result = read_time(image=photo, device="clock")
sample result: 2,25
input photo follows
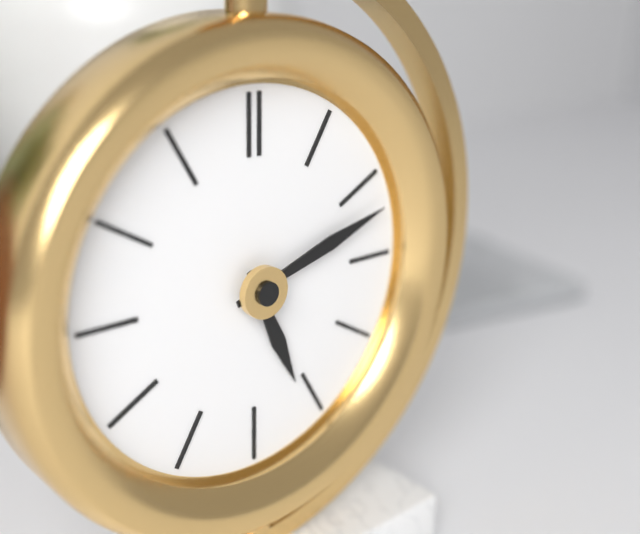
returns 5,12
